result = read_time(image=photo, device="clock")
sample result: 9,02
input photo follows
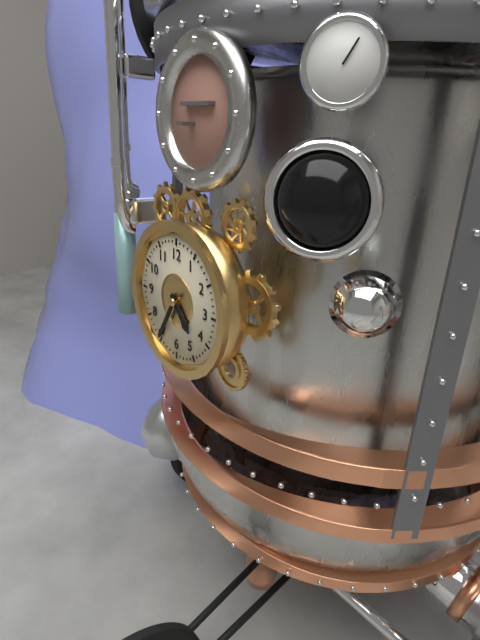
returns 4,35
